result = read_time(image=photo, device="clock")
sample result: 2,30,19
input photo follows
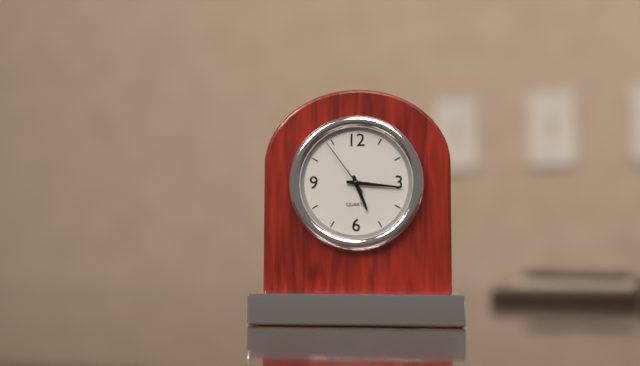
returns 5,16,54
